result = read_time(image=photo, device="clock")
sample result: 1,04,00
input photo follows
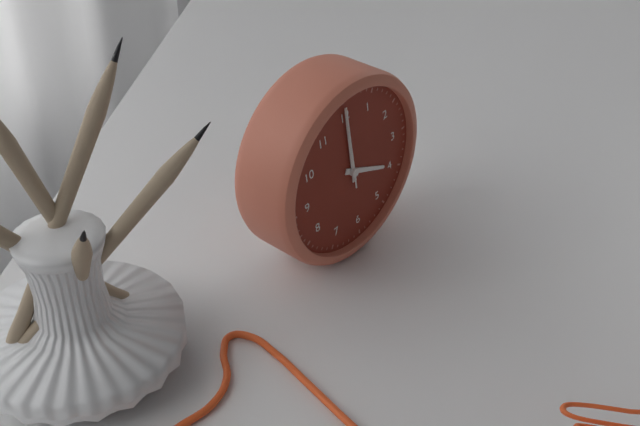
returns 4,00,00
